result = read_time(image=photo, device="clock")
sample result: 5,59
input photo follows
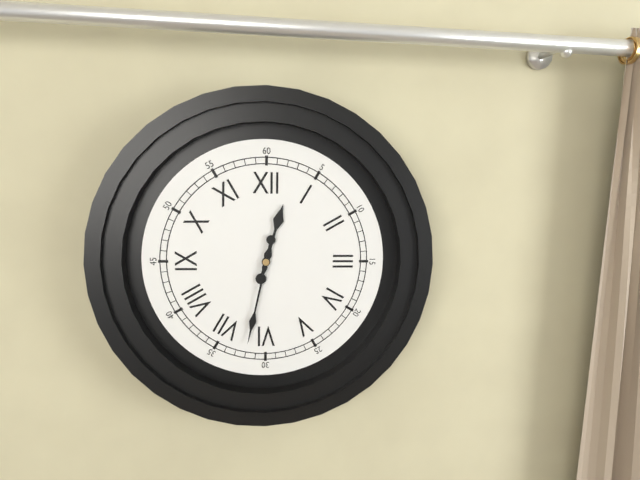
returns 12,32
